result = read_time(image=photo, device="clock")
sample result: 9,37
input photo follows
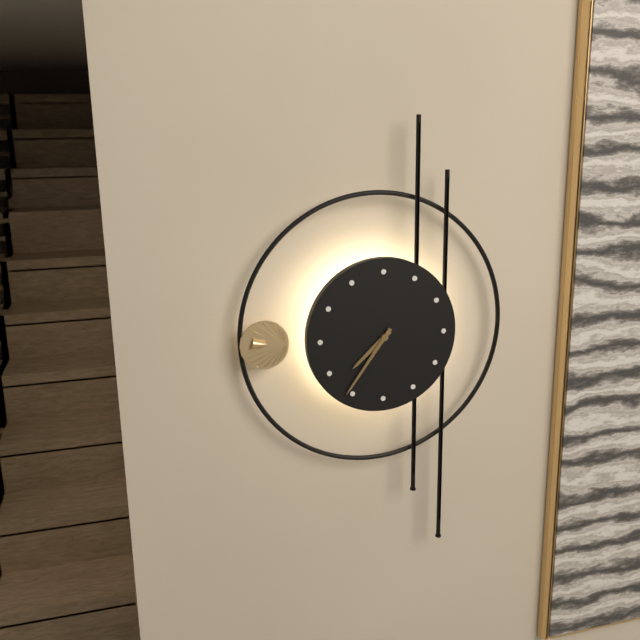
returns 7,36
